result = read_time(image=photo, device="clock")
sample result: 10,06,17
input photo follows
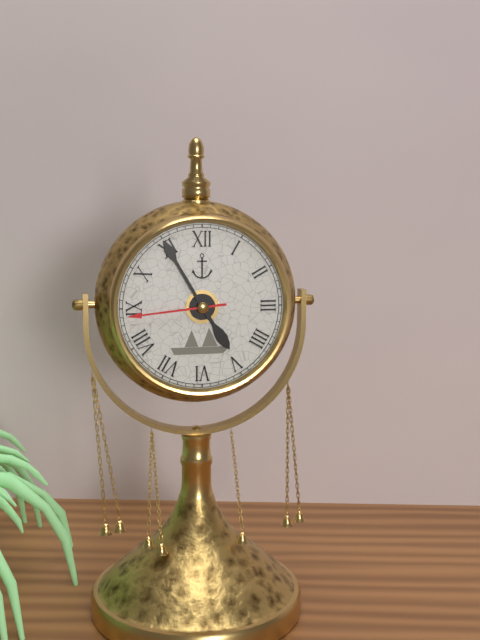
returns 4,55,44
